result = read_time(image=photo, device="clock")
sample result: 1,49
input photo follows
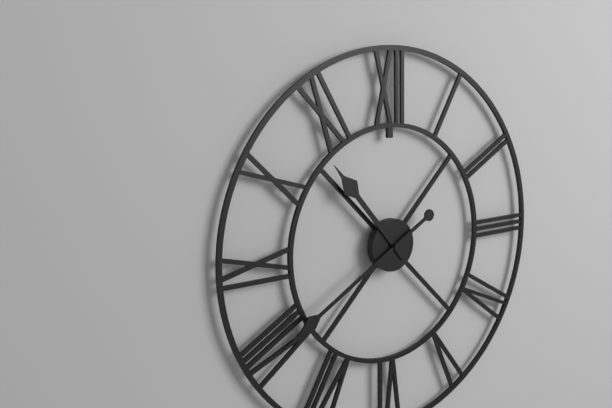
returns 10,40
